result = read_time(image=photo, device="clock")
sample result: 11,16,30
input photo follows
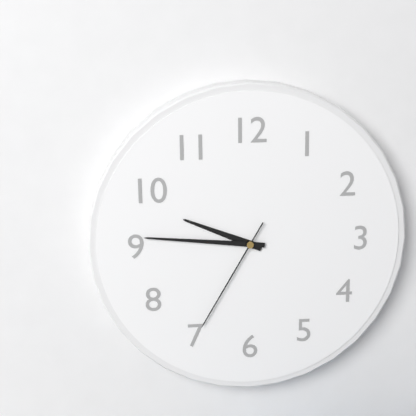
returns 9,46,35
